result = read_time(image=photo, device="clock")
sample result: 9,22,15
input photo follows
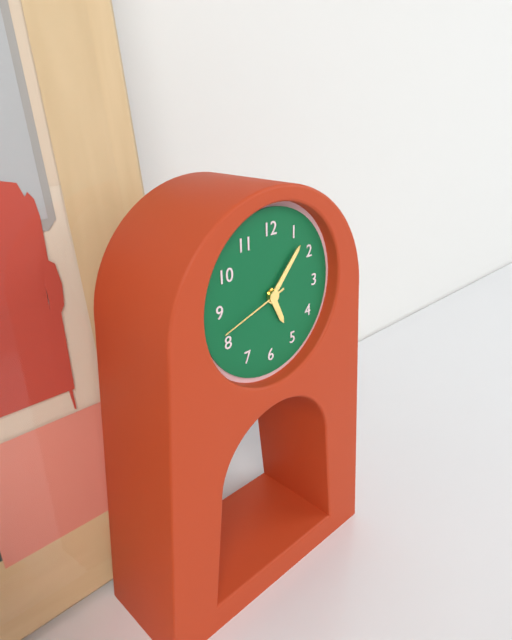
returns 5,07,42
